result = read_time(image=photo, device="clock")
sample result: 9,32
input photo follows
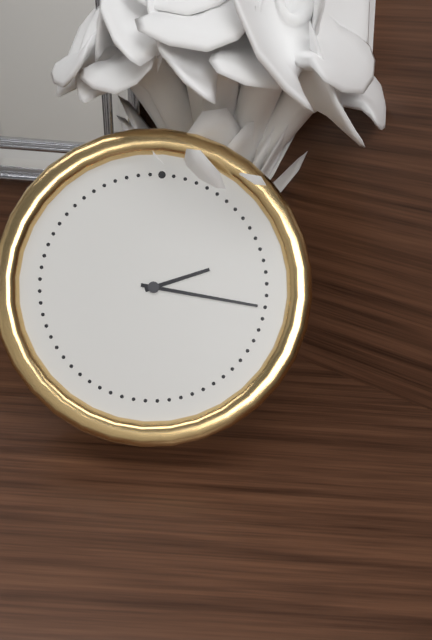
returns 2,16
